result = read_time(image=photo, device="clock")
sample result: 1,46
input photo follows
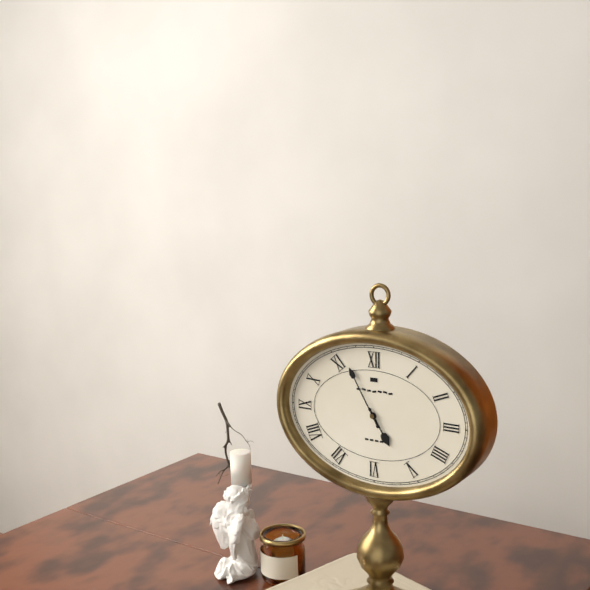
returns 4,55
